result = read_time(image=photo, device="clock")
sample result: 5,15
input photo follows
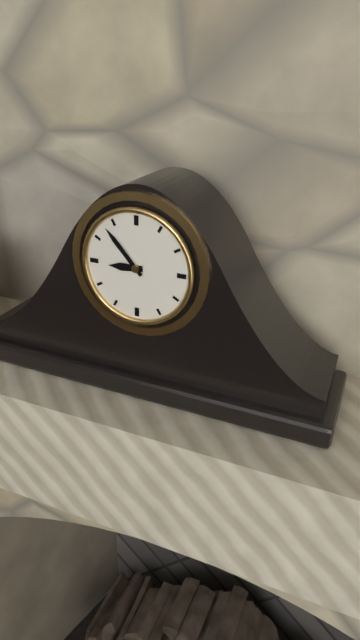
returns 8,53
